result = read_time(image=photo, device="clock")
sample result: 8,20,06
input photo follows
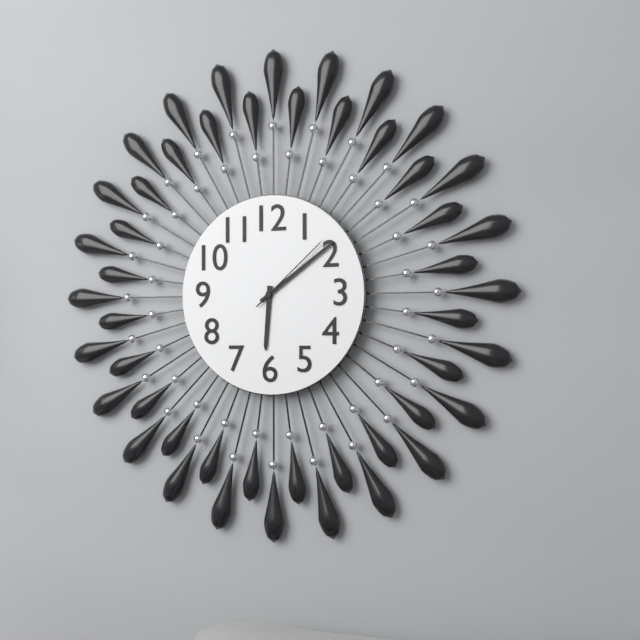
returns 6,09,08
